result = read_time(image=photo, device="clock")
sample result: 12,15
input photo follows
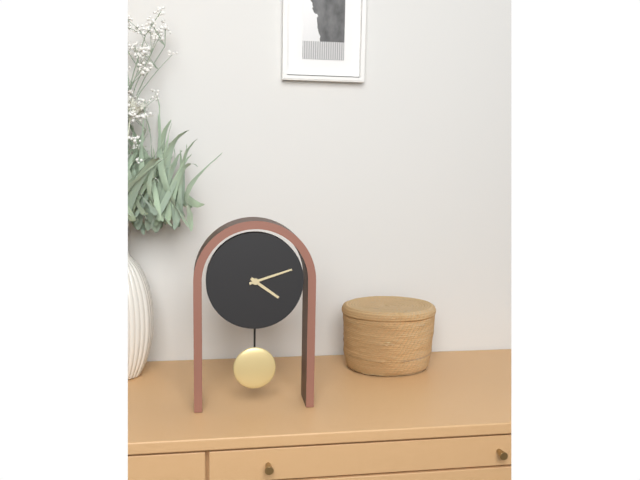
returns 4,12
